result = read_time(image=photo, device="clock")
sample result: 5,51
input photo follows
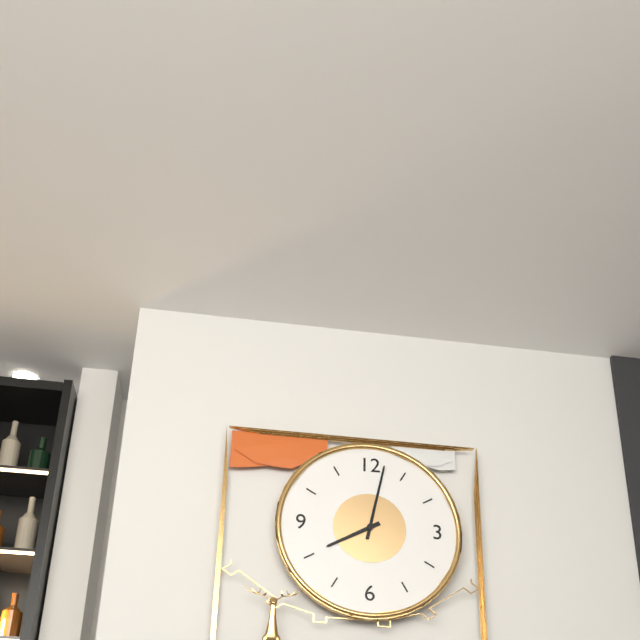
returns 8,02
